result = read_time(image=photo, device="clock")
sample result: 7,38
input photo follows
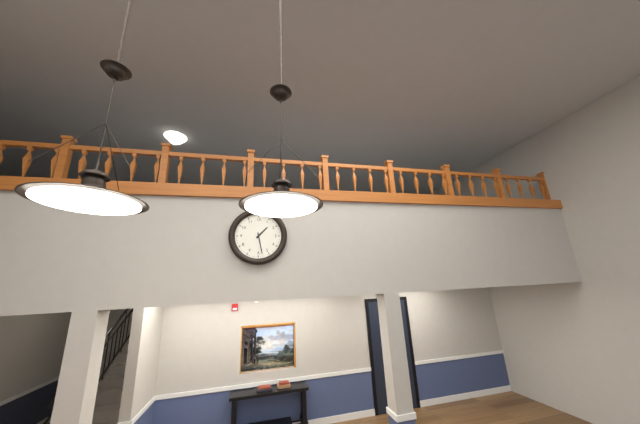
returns 1,28
